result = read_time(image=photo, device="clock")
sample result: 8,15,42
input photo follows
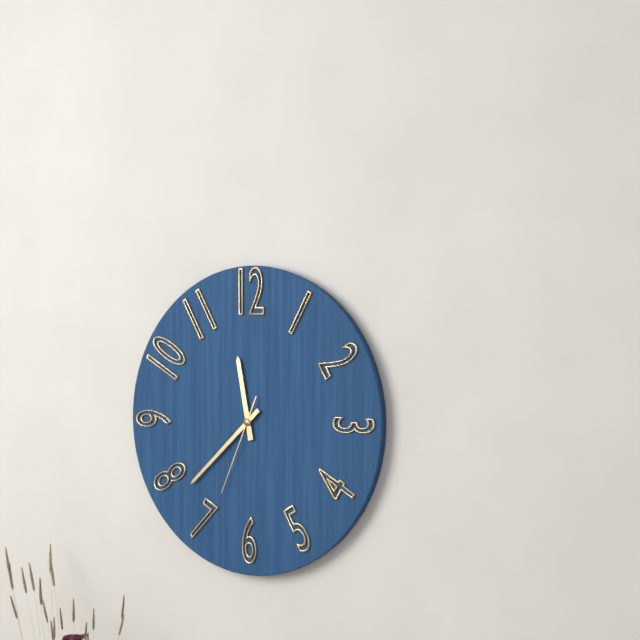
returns 11,38,34
